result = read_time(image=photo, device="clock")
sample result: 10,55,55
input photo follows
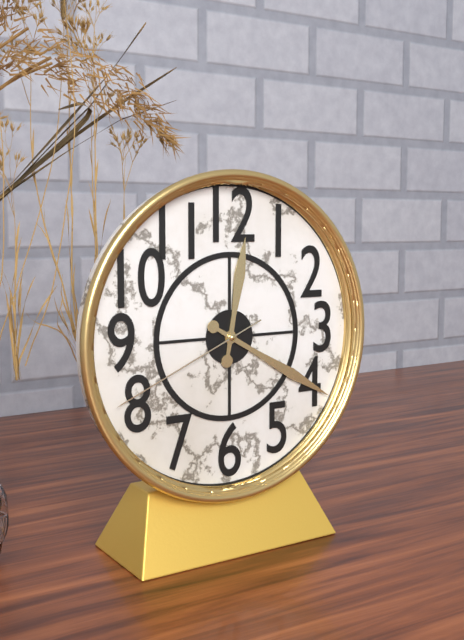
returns 12,20,41
